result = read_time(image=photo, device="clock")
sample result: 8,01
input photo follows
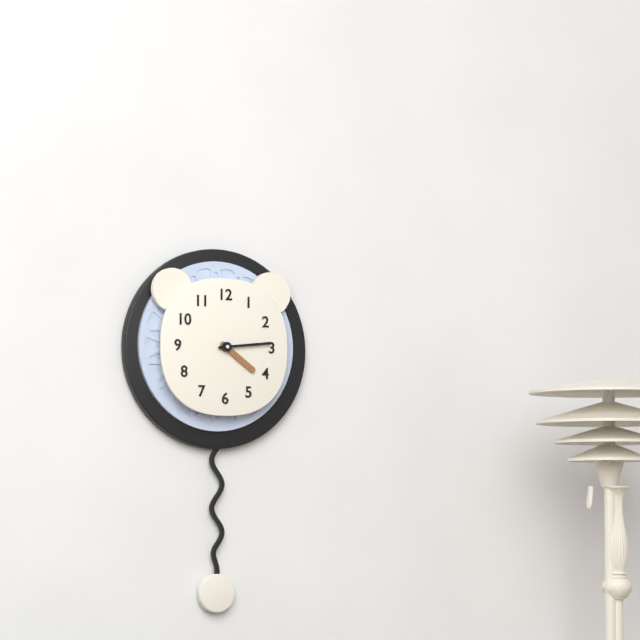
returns 4,14
